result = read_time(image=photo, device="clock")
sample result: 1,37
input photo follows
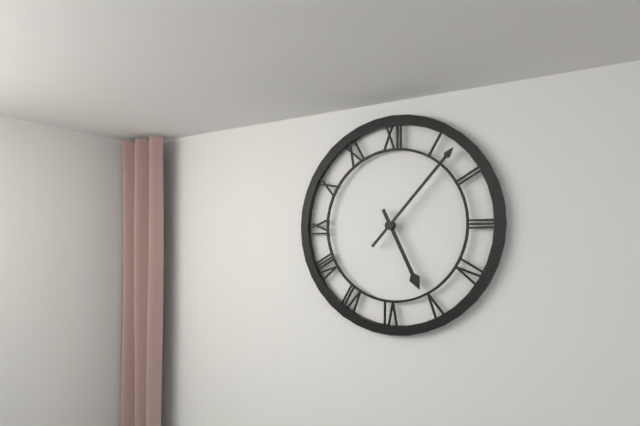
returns 5,07
